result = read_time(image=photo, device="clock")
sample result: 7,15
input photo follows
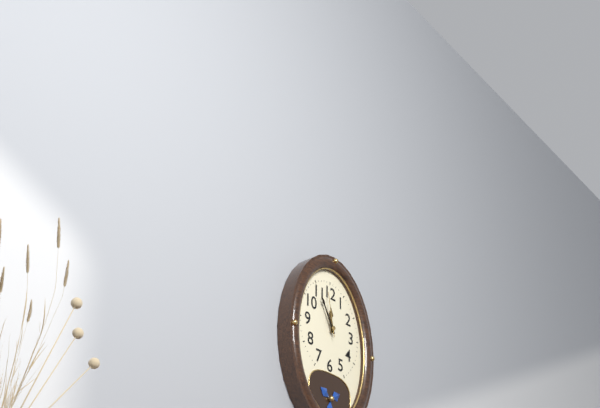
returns 11,55
